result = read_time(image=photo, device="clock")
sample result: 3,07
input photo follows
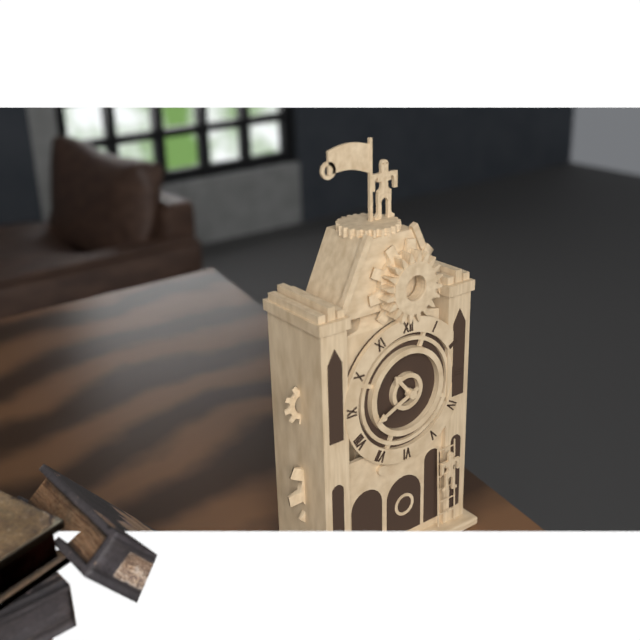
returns 10,41
